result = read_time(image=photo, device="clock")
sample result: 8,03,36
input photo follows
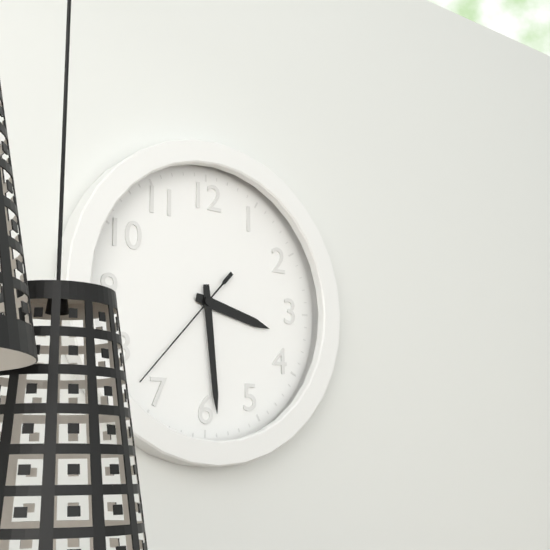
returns 3,29,37
